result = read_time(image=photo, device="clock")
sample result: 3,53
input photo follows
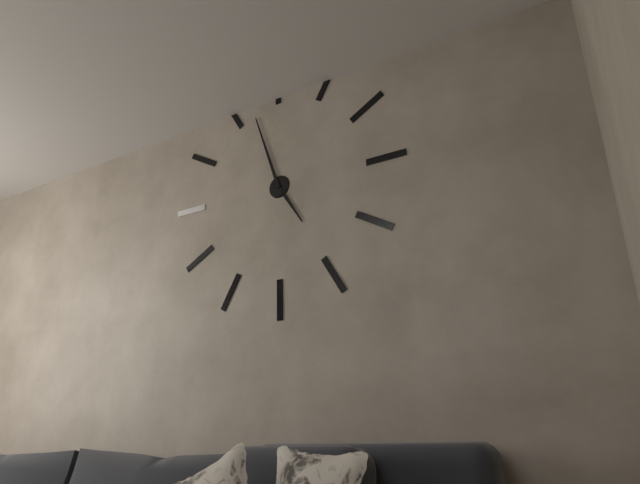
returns 4,57
